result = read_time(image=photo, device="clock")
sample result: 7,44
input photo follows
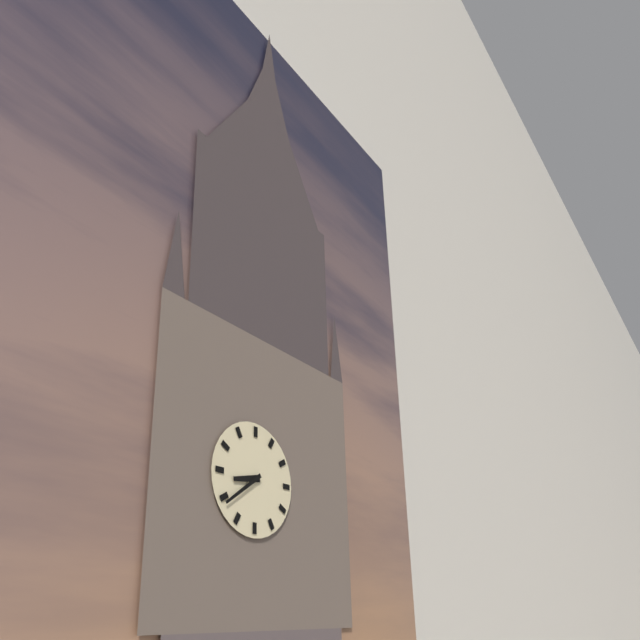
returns 8,39
